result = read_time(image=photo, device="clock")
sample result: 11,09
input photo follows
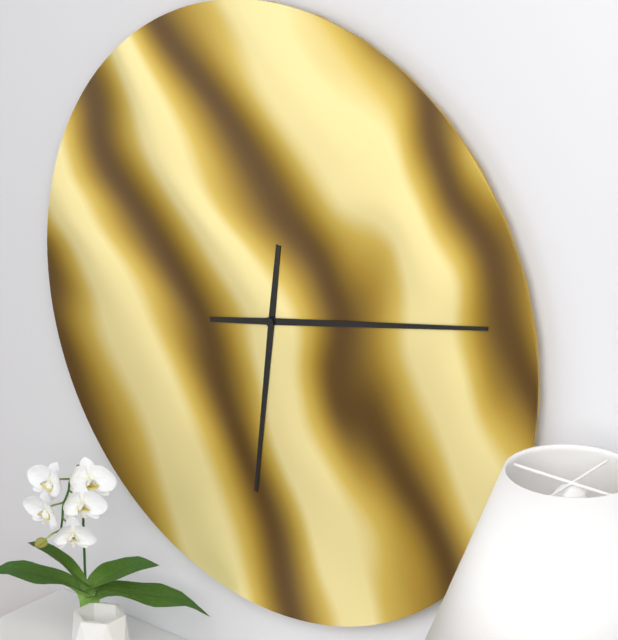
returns 6,13
